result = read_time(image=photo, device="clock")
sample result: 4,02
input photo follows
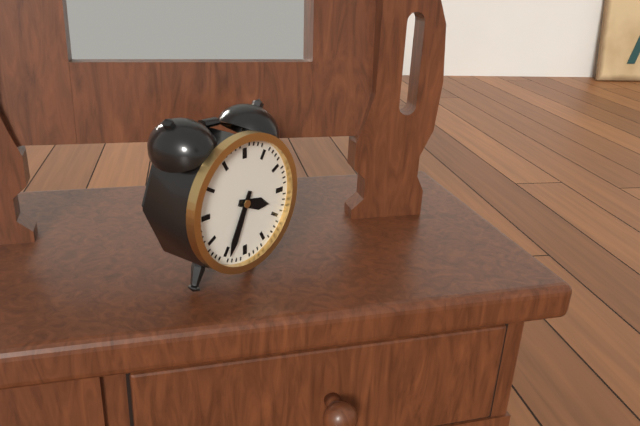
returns 3,34
